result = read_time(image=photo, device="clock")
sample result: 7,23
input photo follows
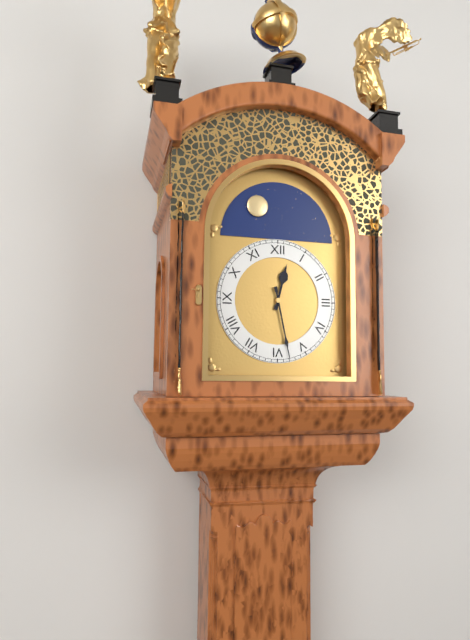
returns 12,28
